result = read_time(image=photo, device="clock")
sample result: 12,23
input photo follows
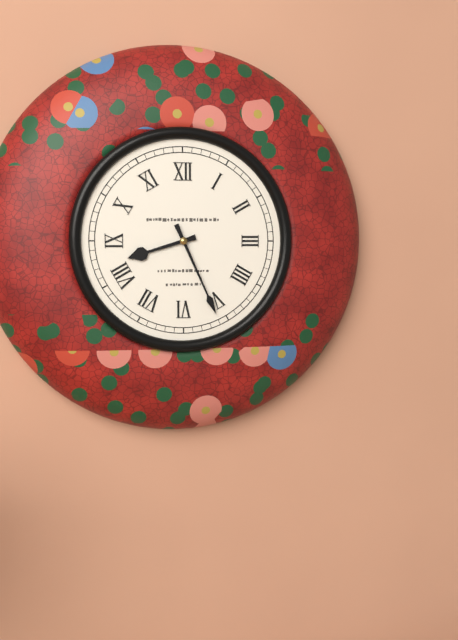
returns 8,26
